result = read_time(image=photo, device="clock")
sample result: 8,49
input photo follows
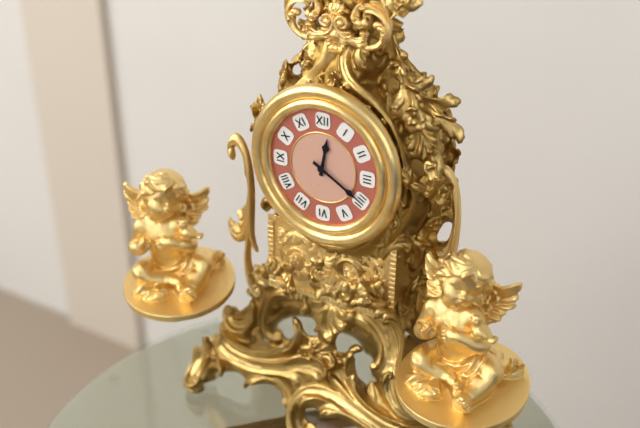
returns 12,20
